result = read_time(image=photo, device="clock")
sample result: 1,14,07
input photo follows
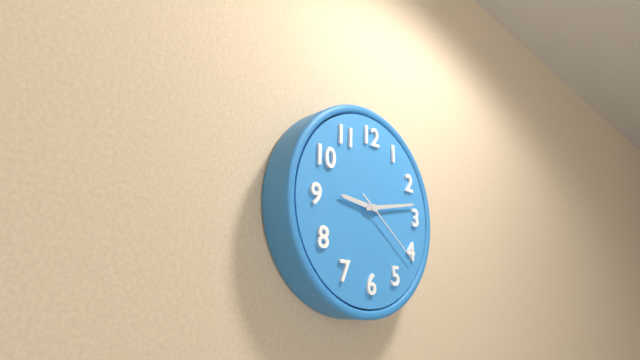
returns 9,13,21
